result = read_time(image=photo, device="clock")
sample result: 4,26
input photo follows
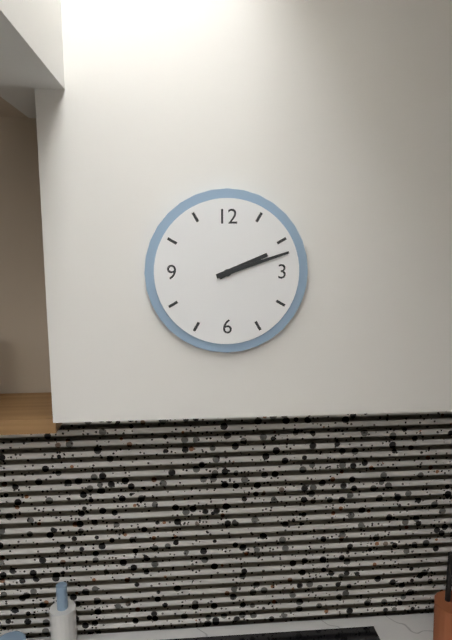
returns 2,12
